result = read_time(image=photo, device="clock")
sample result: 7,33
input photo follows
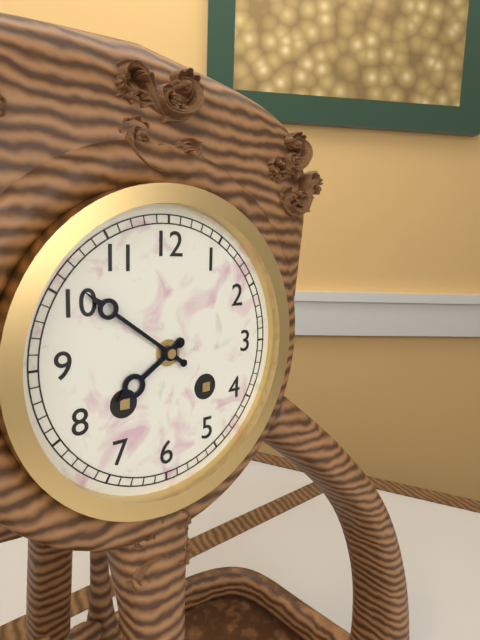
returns 7,51
